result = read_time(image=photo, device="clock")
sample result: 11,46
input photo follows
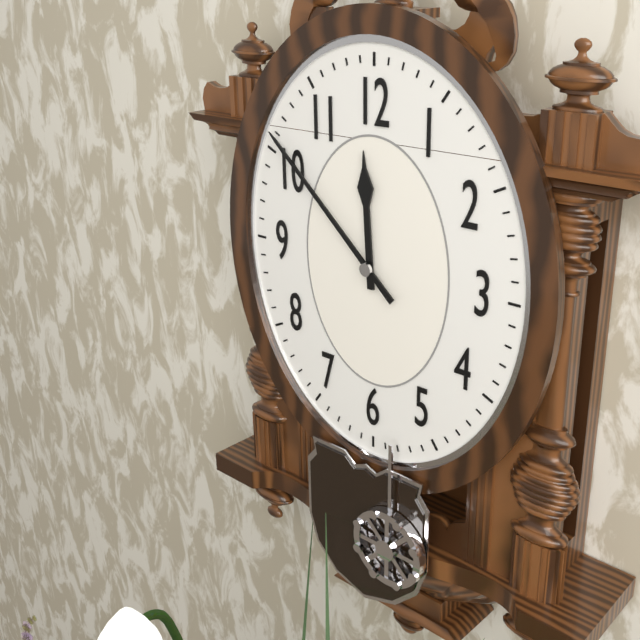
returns 11,52
